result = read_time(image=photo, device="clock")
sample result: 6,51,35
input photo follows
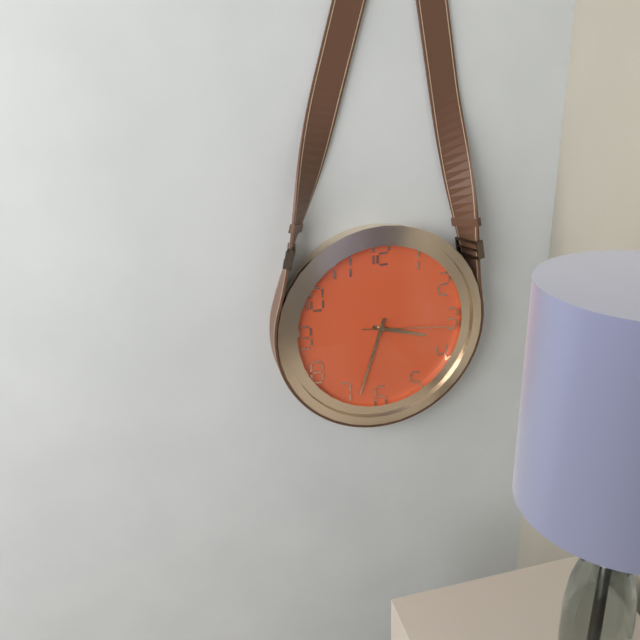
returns 3,33,16
